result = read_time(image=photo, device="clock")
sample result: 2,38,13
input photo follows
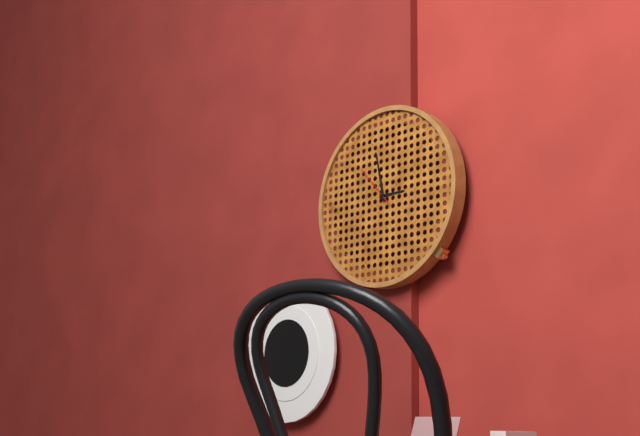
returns 2,58,53
